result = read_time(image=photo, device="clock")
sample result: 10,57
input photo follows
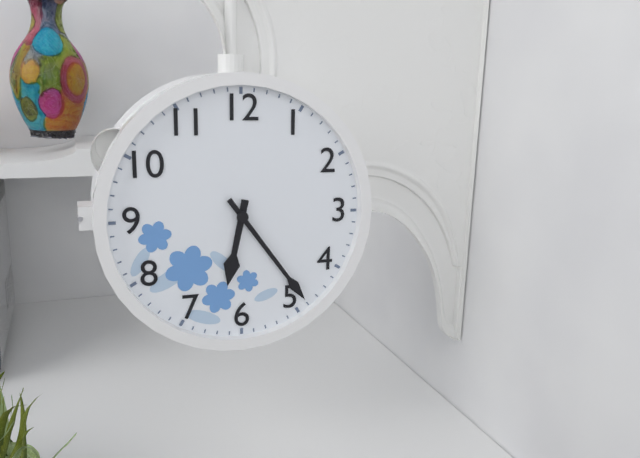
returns 6,24
